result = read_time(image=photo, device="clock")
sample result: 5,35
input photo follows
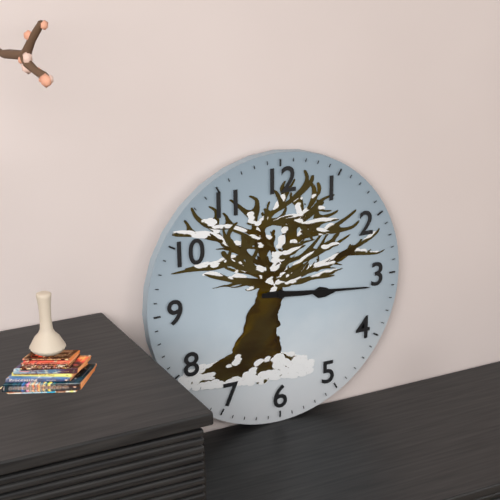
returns 3,16
